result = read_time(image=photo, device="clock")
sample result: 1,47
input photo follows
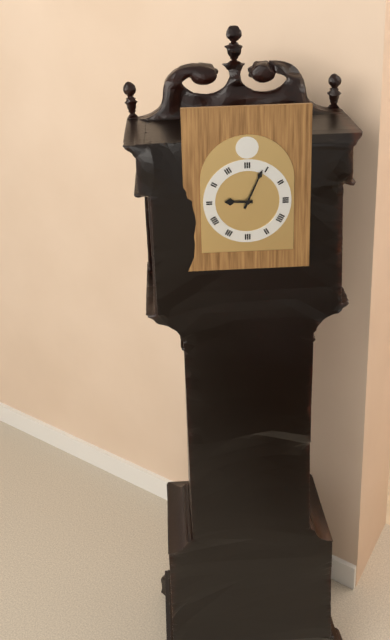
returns 9,04
